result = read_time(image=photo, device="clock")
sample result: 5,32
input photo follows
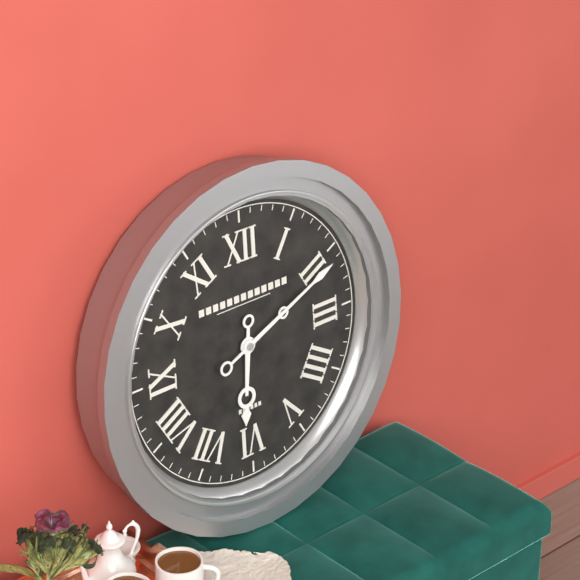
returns 6,11
